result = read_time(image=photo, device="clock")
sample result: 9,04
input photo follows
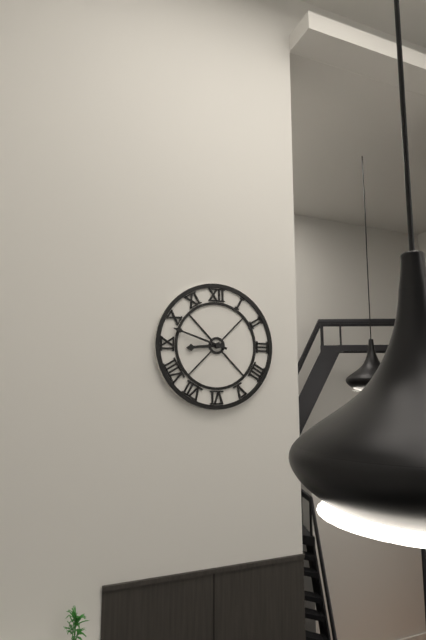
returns 8,48
